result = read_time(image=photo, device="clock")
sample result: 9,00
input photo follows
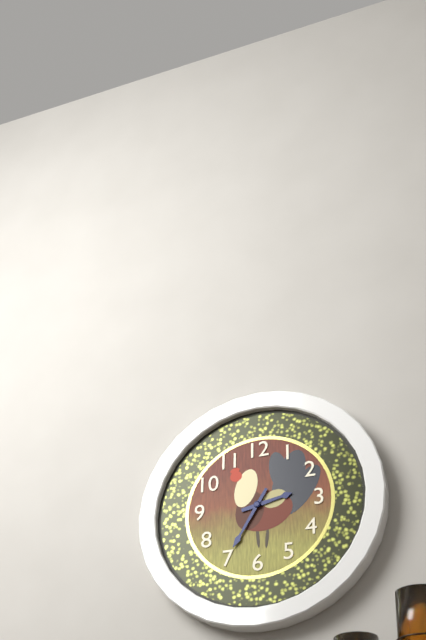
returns 2,35
